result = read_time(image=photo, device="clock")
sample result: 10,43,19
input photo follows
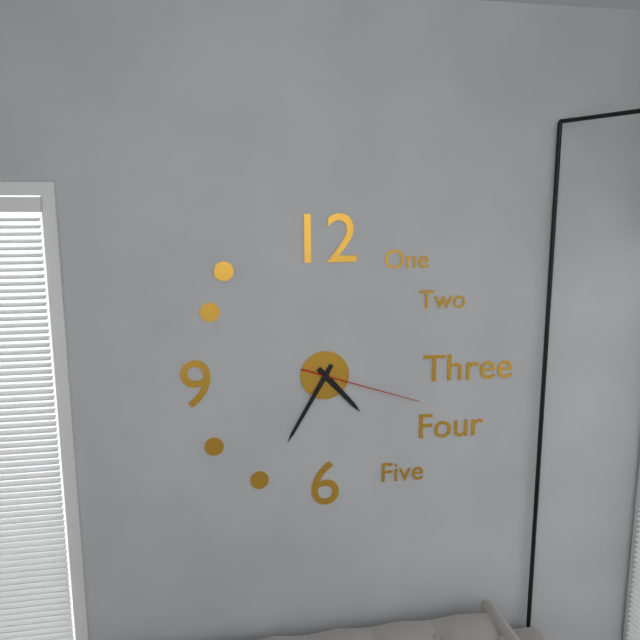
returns 4,35,18
